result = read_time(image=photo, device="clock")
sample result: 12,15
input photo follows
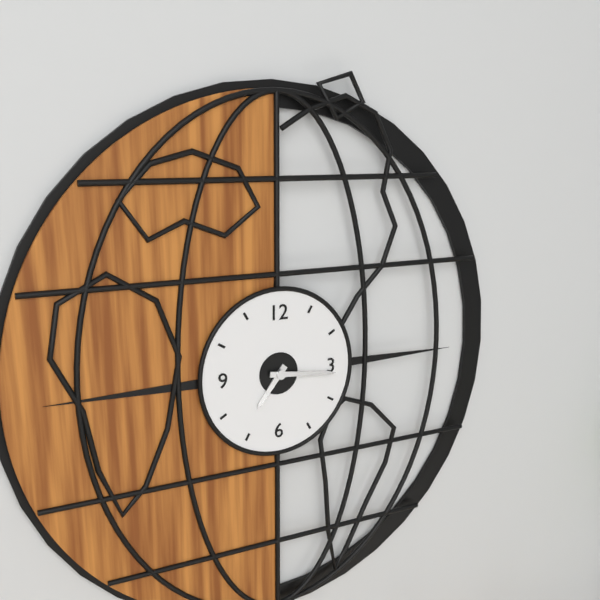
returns 7,16
